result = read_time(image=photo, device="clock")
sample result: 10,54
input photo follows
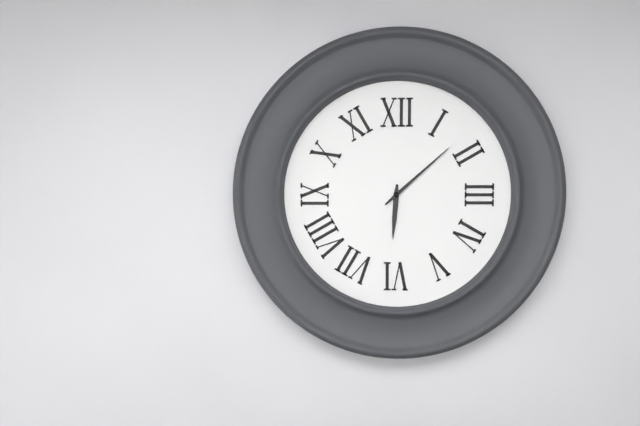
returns 6,08
